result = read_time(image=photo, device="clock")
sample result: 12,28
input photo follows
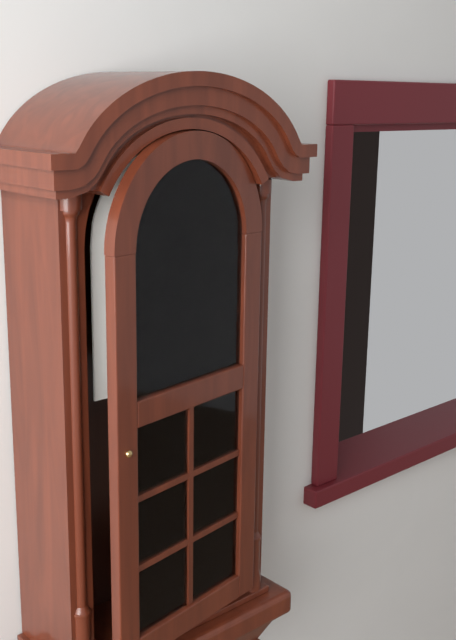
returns 10,38
